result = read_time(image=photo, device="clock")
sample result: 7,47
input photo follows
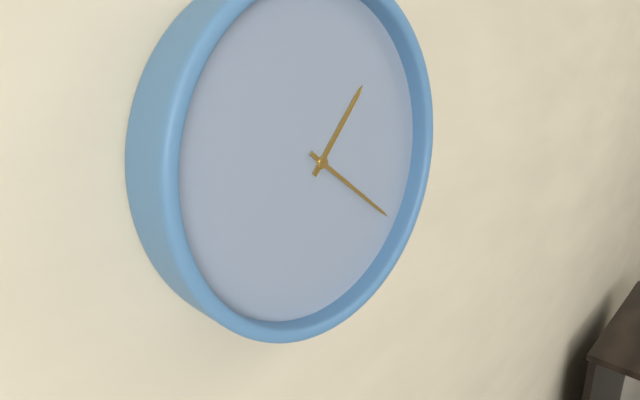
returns 1,21
